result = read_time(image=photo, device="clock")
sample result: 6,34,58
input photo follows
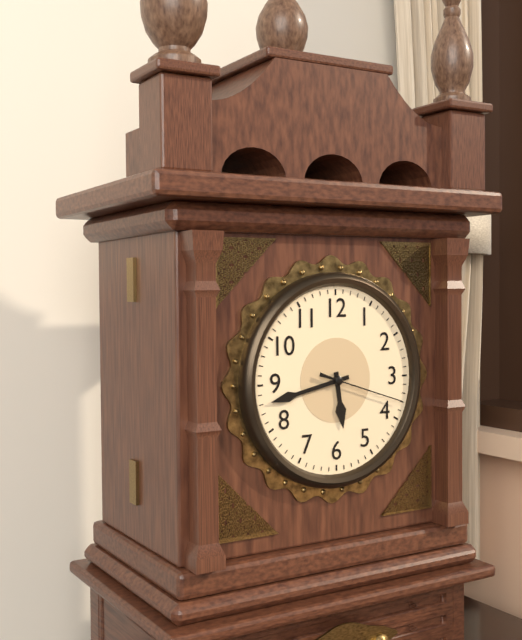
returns 5,43,18
